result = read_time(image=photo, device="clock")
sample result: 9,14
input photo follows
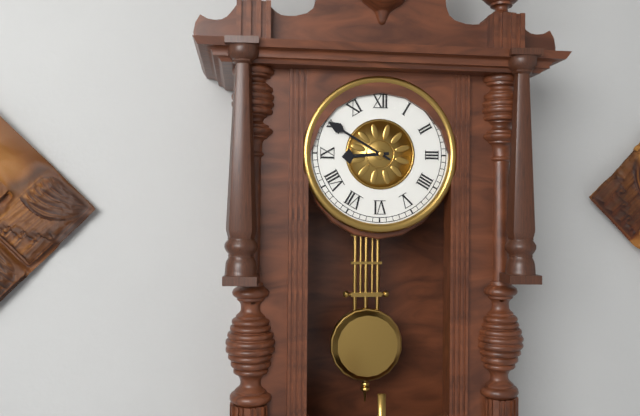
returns 8,50
